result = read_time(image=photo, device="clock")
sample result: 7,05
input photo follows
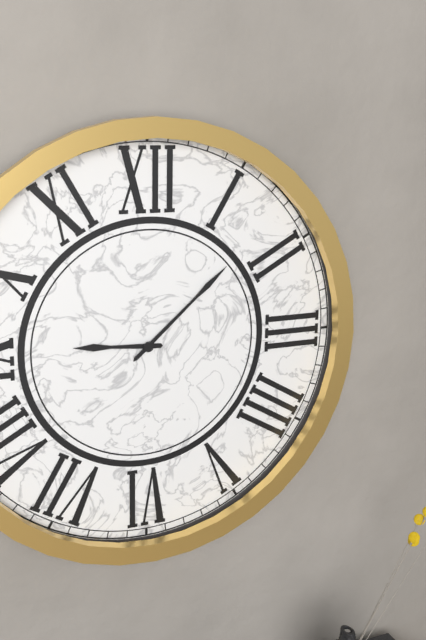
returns 9,08
